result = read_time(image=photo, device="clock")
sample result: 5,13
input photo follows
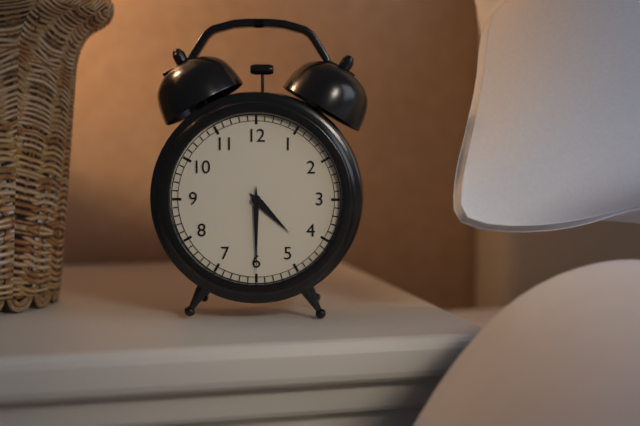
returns 4,30
